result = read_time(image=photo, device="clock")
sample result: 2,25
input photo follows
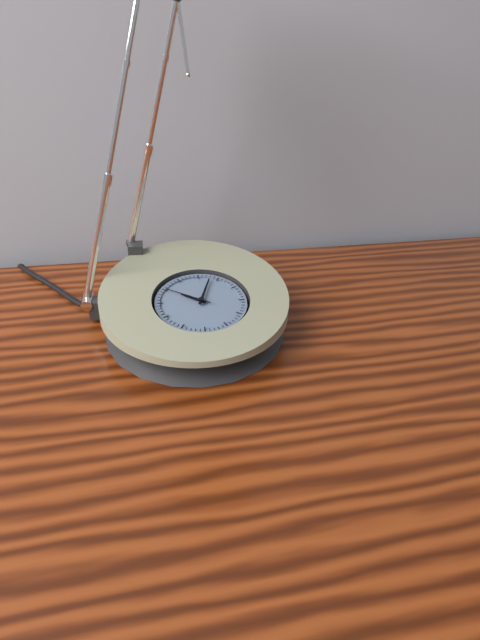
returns 10,03
